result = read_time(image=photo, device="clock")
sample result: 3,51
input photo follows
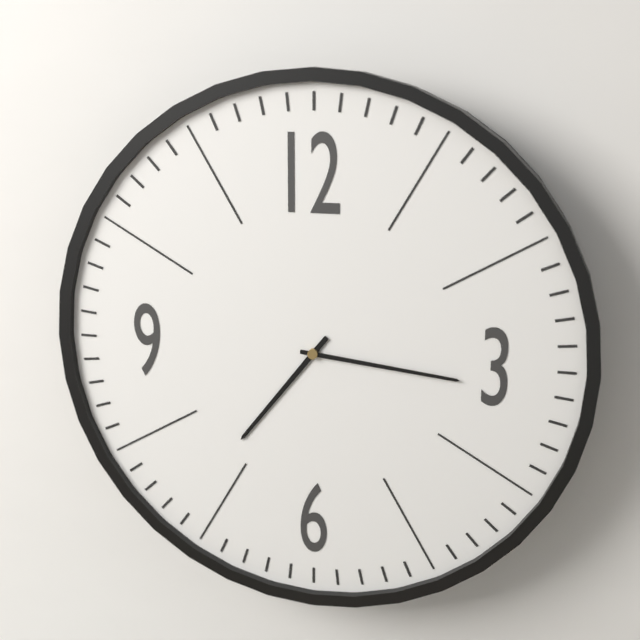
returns 7,16
